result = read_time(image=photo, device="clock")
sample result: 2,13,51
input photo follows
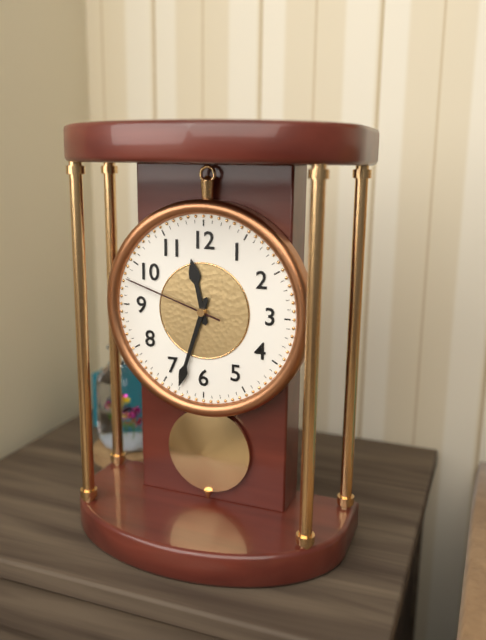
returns 11,33,48
